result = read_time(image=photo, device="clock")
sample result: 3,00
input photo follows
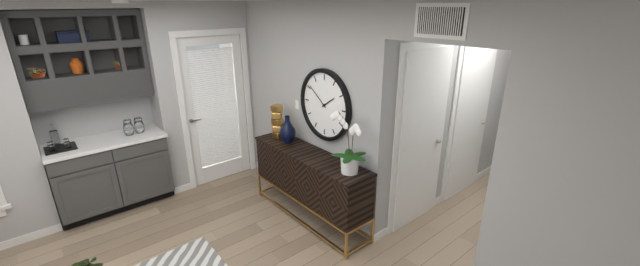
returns 1,51
